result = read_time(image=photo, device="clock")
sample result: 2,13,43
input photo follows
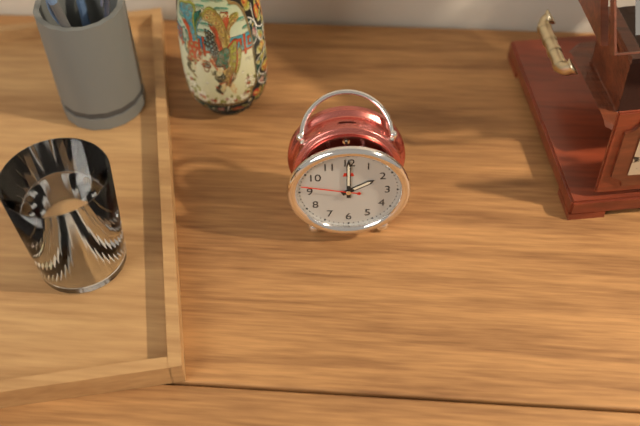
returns 2,00,47
